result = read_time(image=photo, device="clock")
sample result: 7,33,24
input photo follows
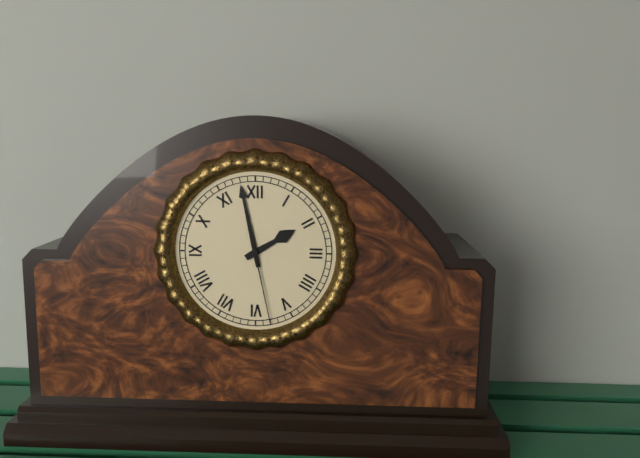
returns 1,58,28
